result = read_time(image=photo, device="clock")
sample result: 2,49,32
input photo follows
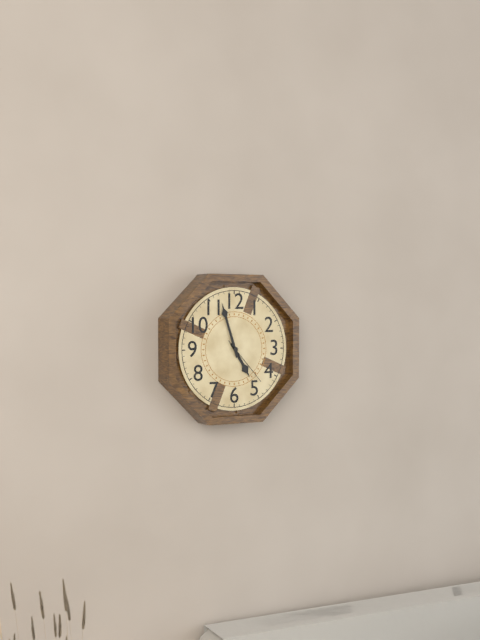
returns 4,57,23
